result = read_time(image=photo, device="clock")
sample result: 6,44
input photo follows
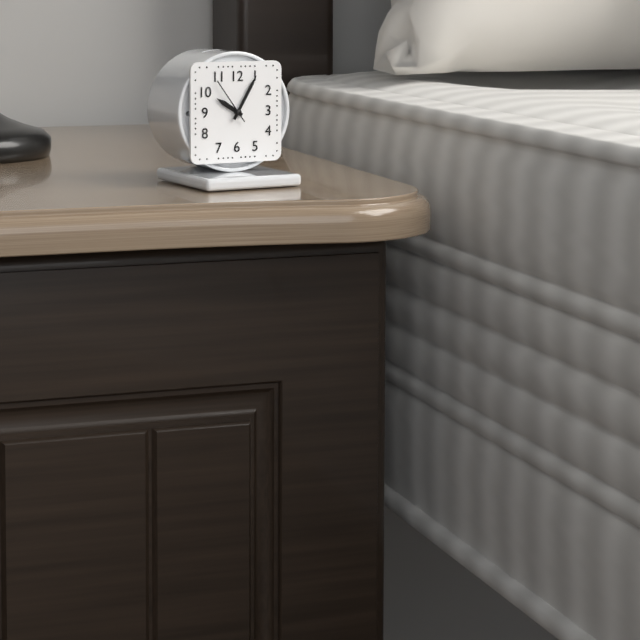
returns 10,05
